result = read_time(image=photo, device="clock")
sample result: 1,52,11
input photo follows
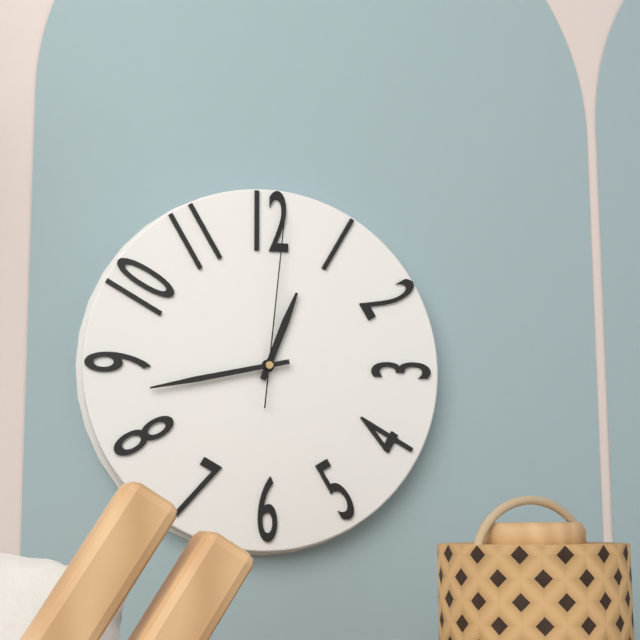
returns 12,43,01
